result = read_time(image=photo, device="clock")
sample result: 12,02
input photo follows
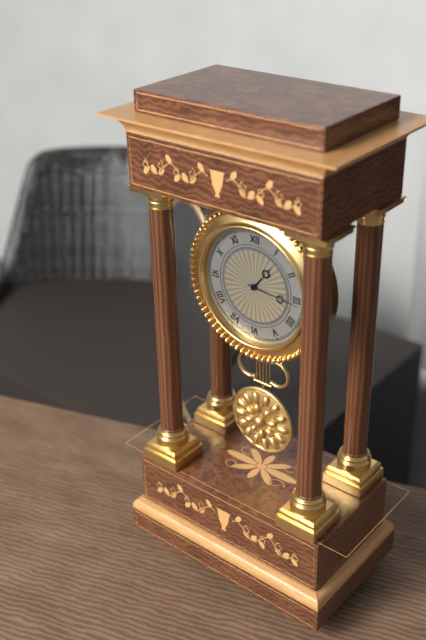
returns 1,16
